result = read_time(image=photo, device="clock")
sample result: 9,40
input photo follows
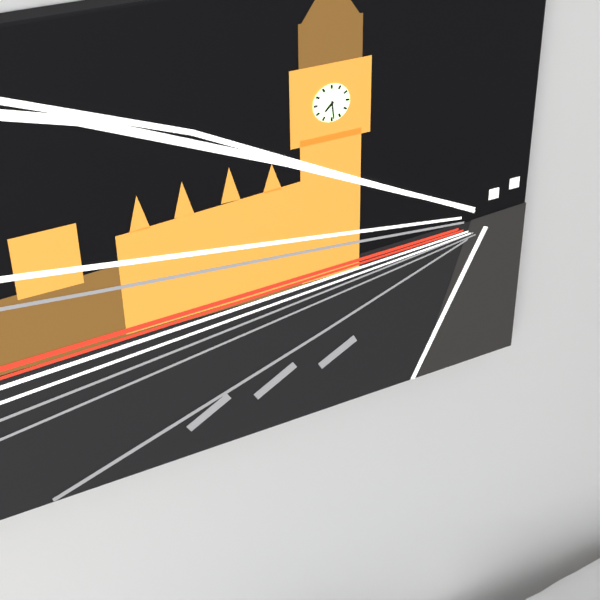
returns 7,29
